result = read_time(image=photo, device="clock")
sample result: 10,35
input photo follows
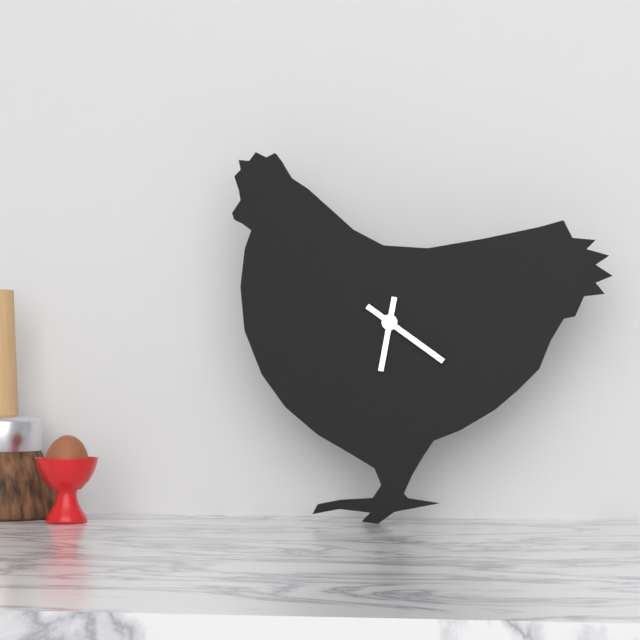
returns 6,21
